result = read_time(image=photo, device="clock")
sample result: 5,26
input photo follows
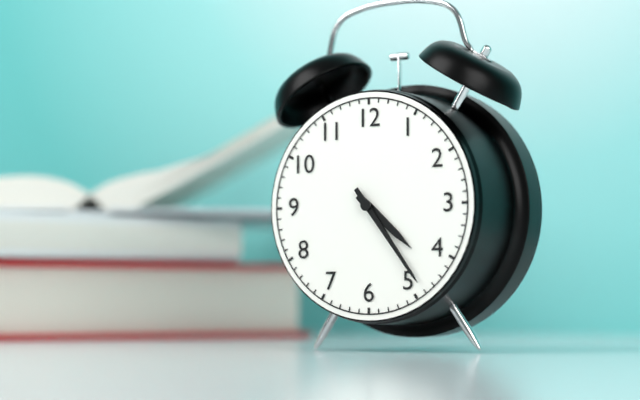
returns 4,24
